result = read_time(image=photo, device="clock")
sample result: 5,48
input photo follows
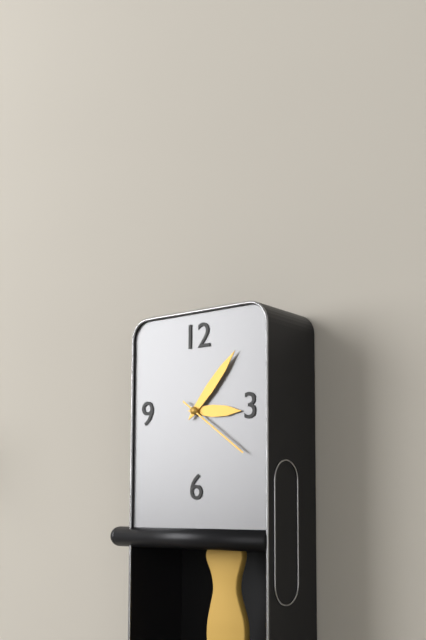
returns 3,07
